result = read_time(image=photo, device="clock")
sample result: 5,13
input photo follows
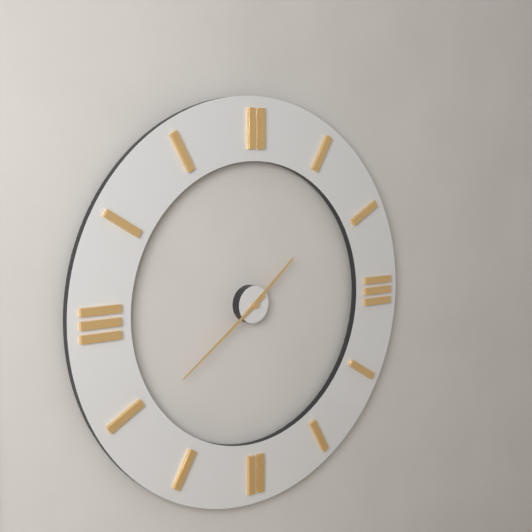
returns 1,39
